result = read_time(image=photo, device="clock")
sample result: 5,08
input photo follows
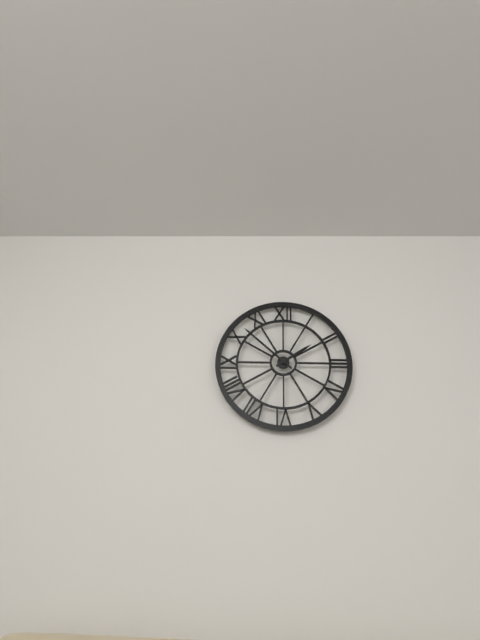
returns 1,52
